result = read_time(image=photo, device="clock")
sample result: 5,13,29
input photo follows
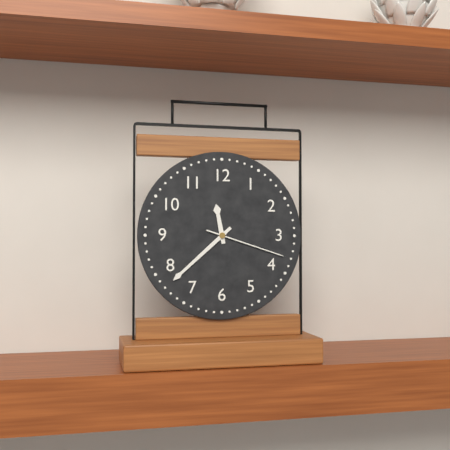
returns 11,38,18
